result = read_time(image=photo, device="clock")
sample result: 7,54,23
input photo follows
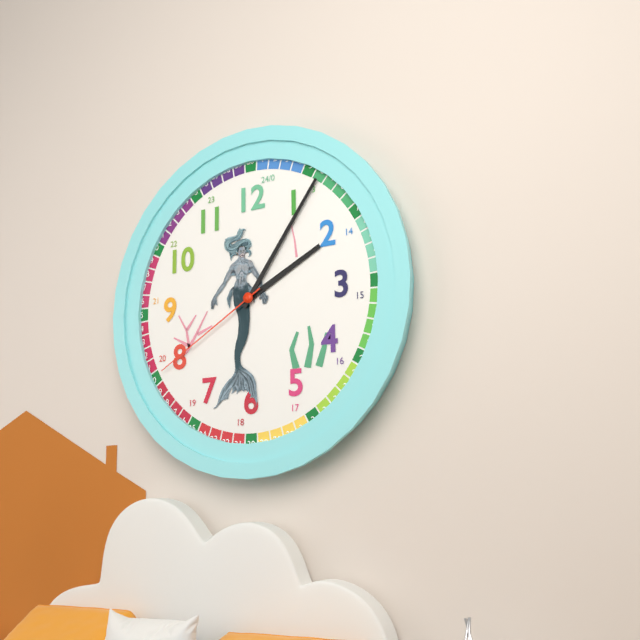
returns 2,06,40
